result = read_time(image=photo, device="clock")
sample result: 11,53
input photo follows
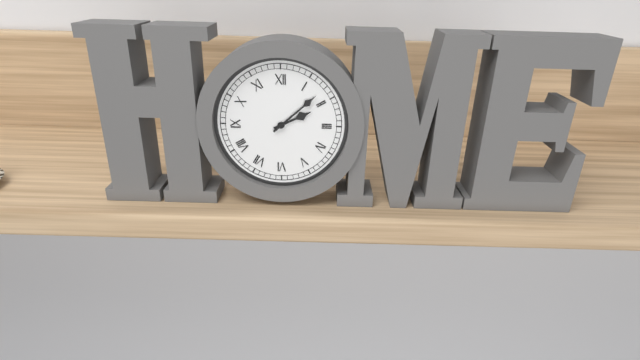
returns 2,08
